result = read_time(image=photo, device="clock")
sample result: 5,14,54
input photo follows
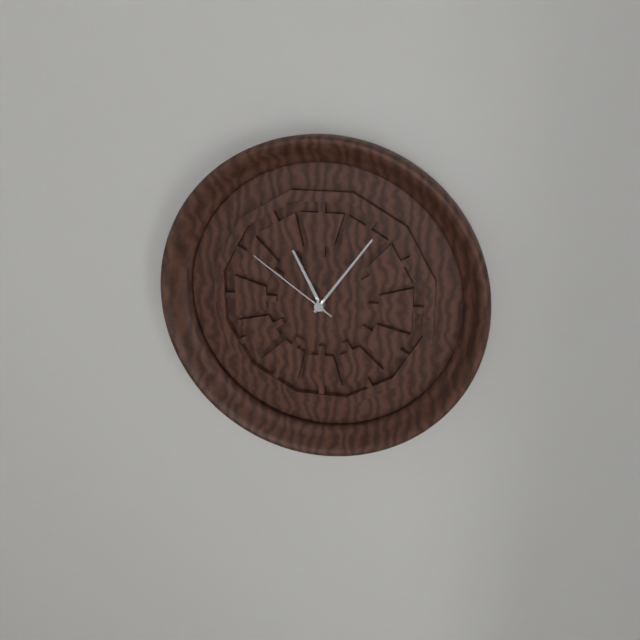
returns 11,06,51
